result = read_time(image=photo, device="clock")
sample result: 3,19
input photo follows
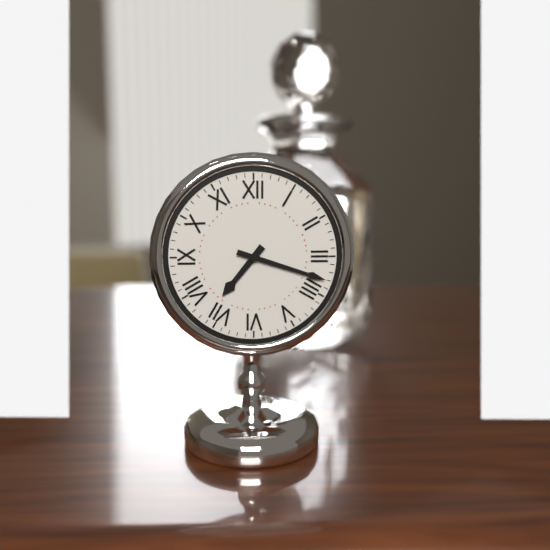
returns 7,18
